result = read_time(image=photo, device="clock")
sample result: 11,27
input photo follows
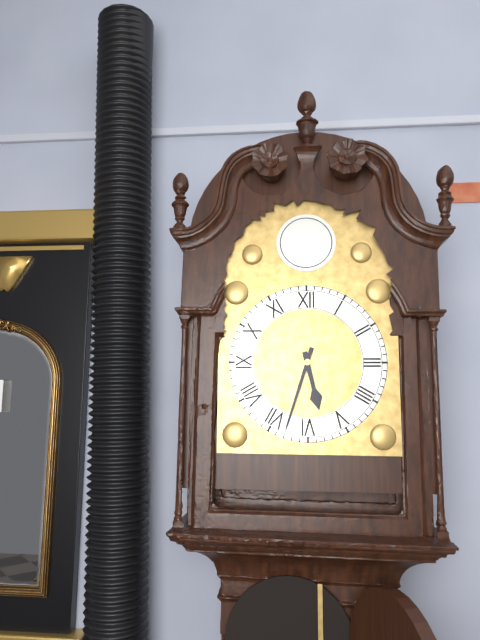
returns 5,33
